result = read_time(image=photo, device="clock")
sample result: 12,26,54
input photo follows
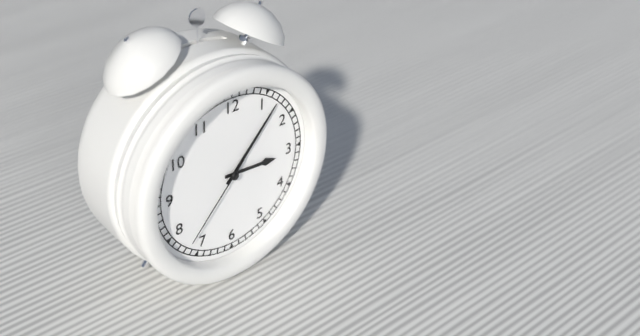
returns 3,07,37
